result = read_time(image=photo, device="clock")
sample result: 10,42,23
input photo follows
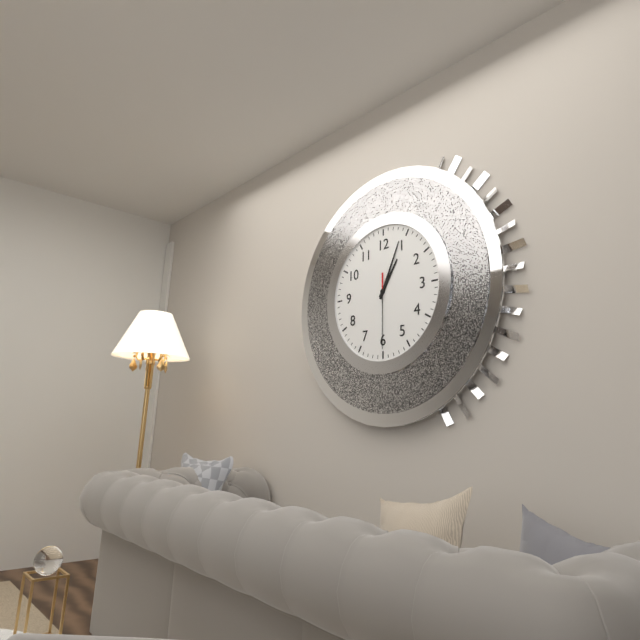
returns 1,04,30
